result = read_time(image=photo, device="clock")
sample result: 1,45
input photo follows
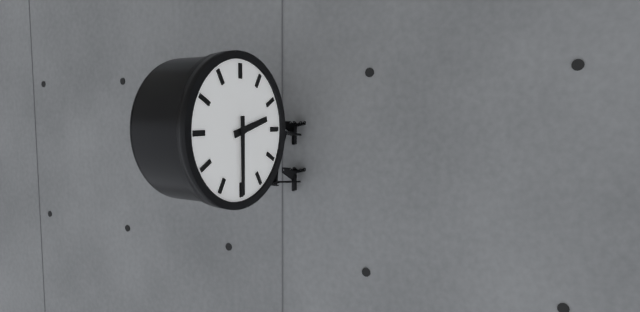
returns 2,30
